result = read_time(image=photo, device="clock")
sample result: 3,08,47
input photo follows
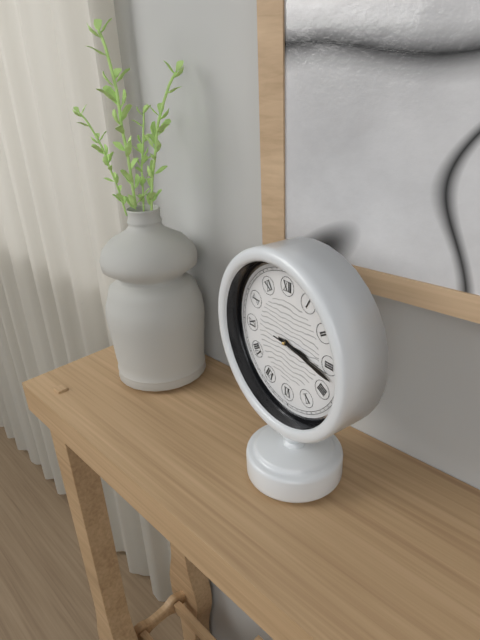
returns 3,17,16
